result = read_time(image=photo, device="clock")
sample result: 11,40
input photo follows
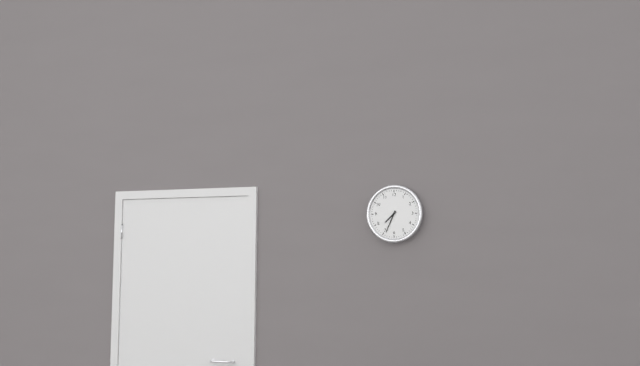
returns 7,34
